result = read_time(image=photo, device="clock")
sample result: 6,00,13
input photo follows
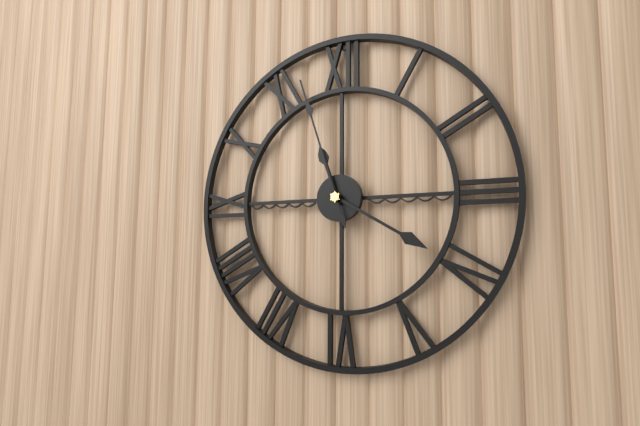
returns 11,20,57
